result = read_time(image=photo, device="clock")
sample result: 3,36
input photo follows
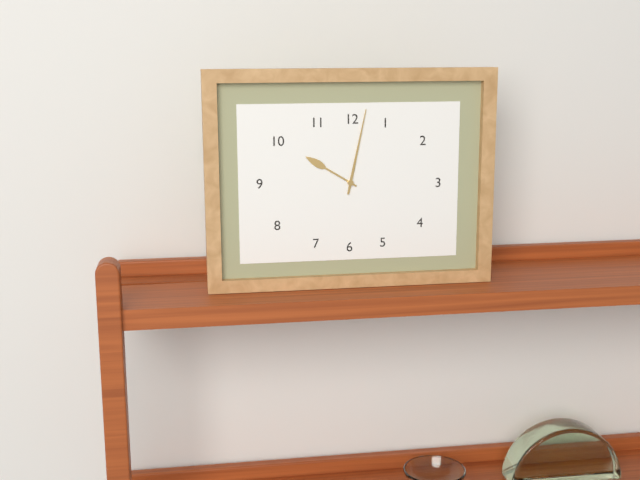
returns 10,02
